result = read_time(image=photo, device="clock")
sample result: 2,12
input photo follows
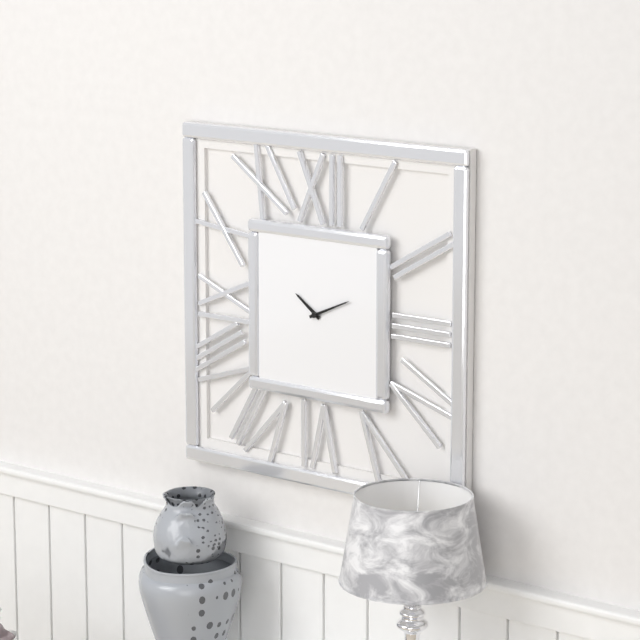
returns 10,11
